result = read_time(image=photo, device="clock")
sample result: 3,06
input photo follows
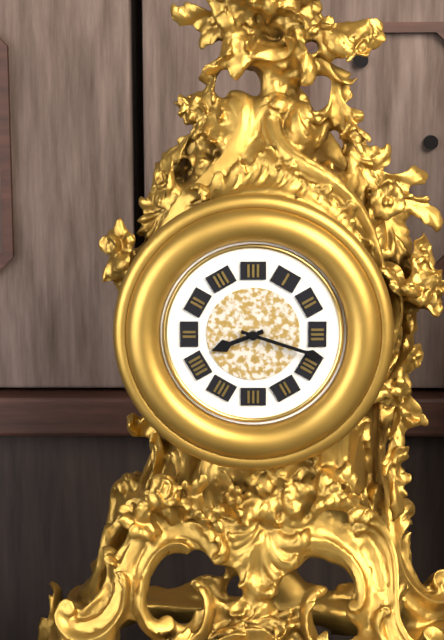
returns 8,18
